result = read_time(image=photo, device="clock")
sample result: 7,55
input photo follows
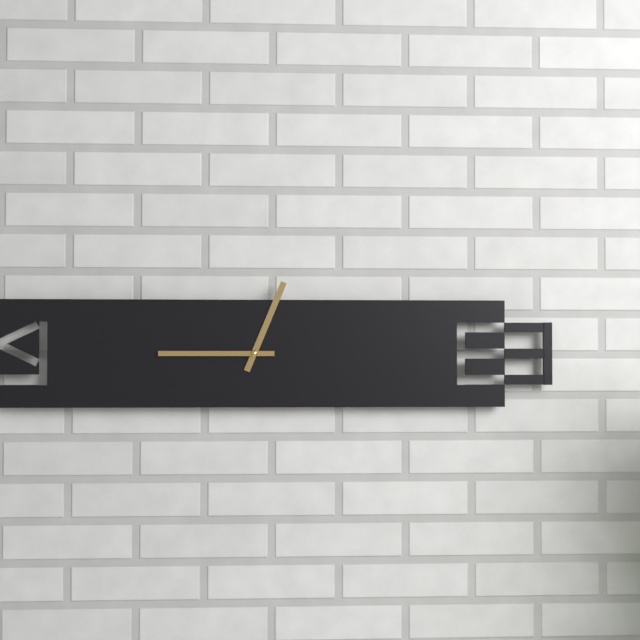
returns 12,45
